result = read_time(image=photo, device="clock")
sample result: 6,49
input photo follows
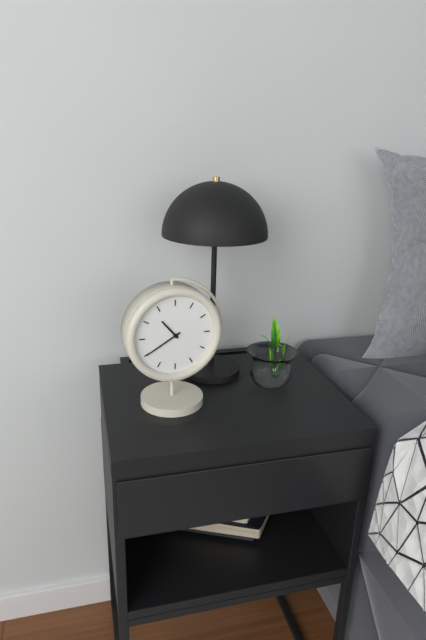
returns 10,40
